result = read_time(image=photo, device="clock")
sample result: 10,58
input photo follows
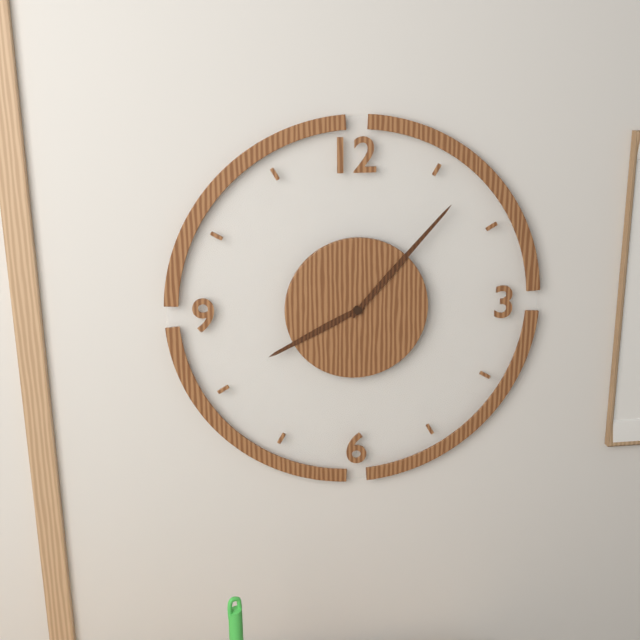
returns 8,07
